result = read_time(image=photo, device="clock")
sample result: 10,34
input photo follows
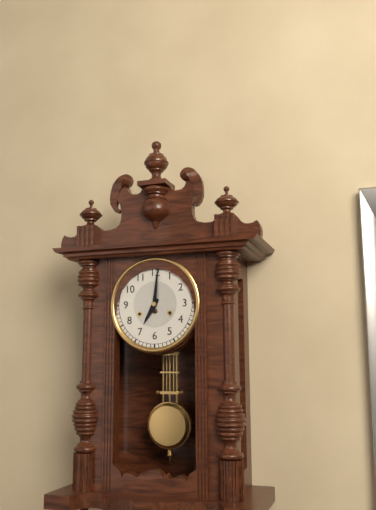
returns 7,01
